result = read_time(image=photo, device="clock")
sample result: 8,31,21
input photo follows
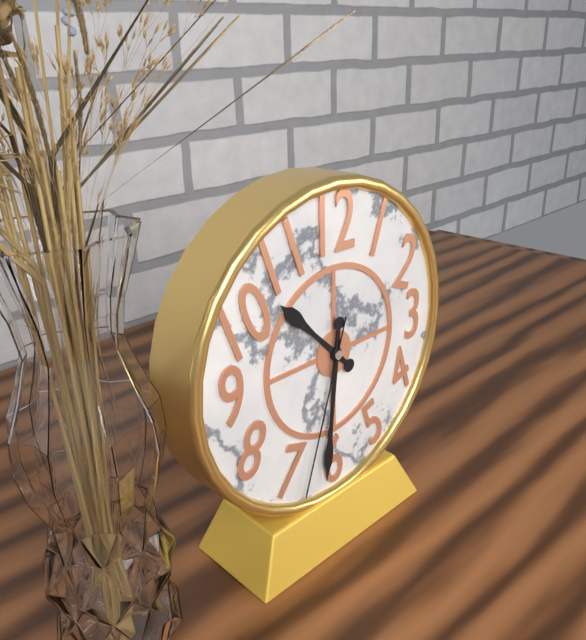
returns 10,31,33
